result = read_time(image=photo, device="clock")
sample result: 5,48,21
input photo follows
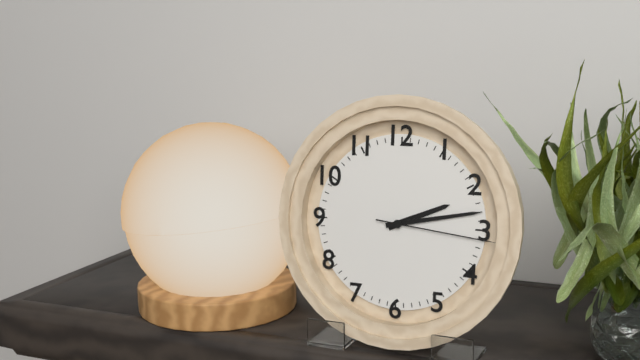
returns 2,13,16
